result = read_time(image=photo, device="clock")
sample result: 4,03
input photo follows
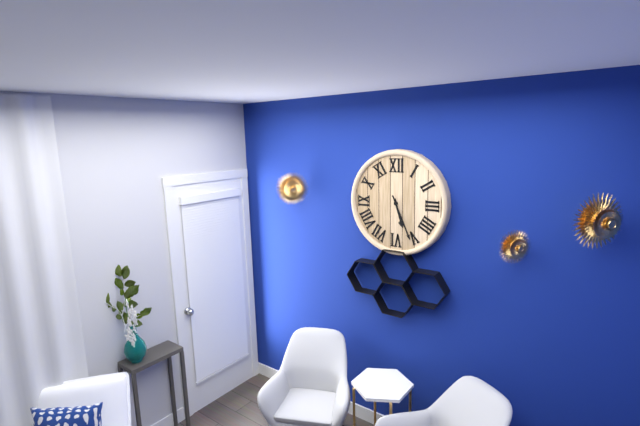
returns 5,26
